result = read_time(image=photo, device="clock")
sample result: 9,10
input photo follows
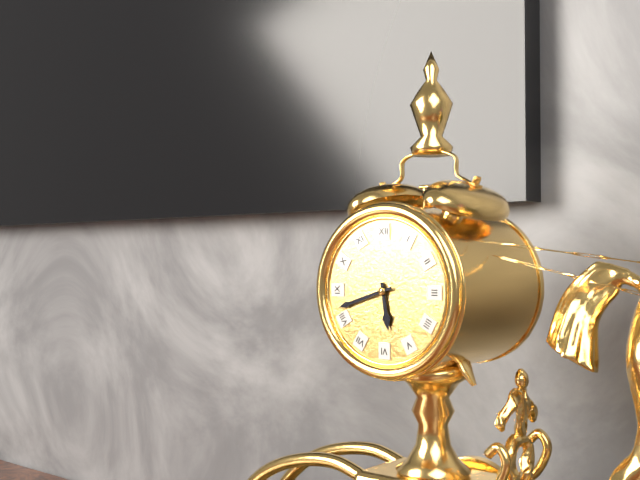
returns 5,42
